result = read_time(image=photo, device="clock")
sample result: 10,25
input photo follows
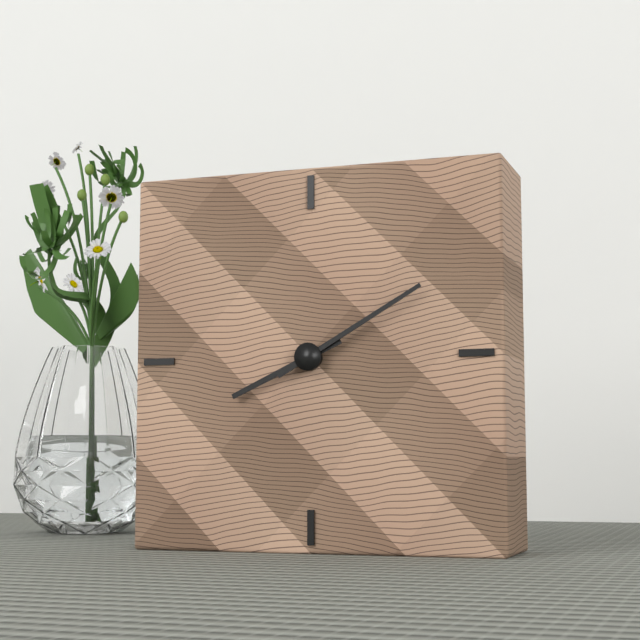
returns 8,10
